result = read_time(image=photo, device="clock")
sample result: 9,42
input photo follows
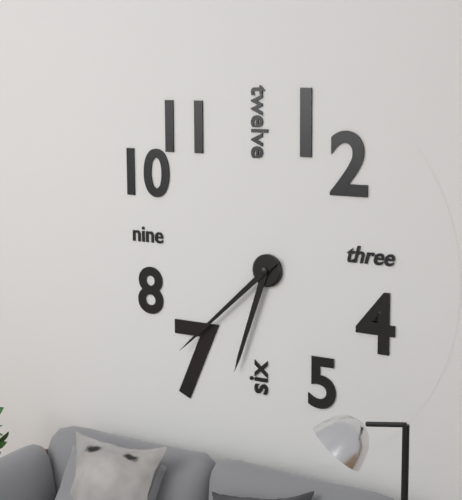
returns 6,38
